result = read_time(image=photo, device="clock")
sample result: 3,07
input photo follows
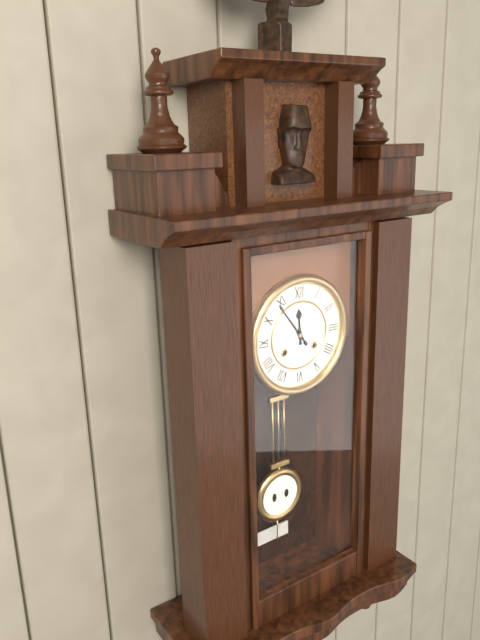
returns 11,54
